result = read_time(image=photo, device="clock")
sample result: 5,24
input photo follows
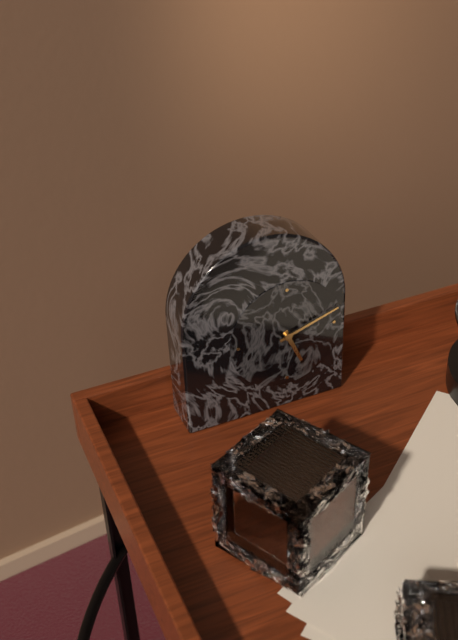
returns 5,12
